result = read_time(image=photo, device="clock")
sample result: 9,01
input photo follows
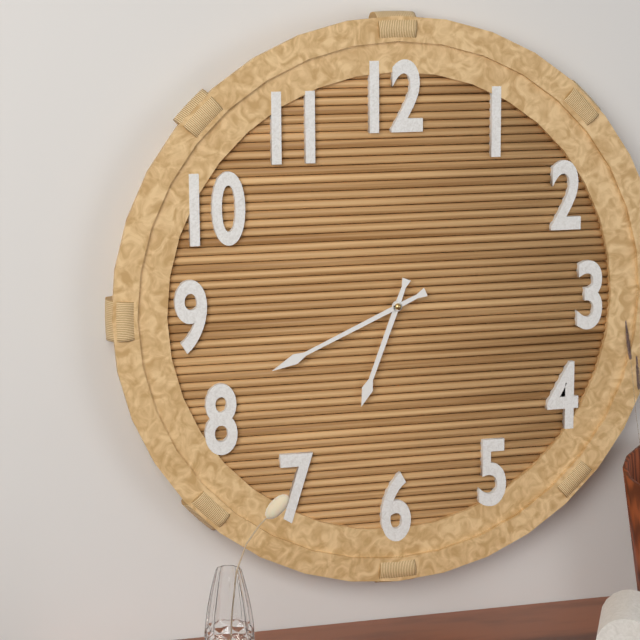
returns 6,41
